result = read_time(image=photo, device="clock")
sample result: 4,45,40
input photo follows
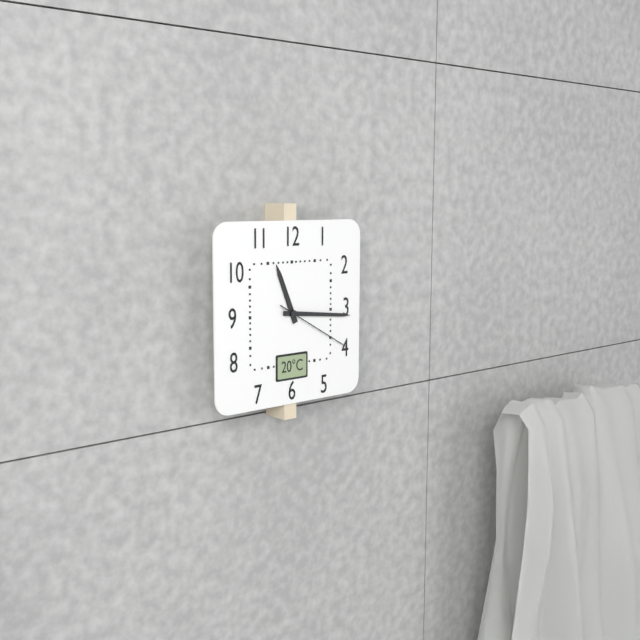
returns 11,16,20
